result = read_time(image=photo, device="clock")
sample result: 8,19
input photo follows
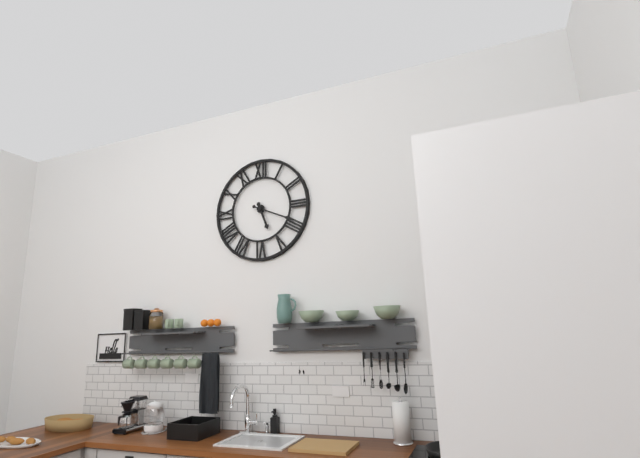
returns 5,19
